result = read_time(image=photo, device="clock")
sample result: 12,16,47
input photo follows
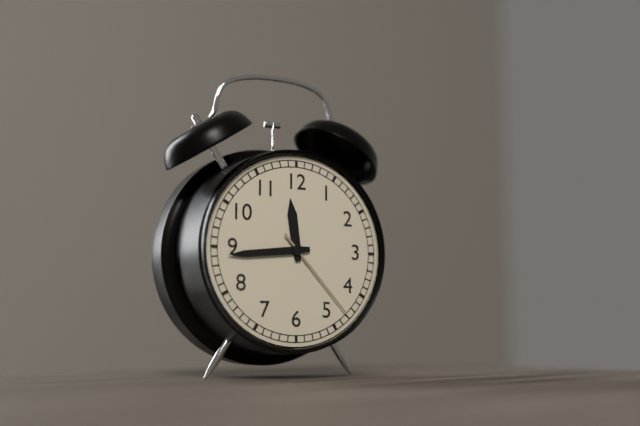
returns 11,44,23
